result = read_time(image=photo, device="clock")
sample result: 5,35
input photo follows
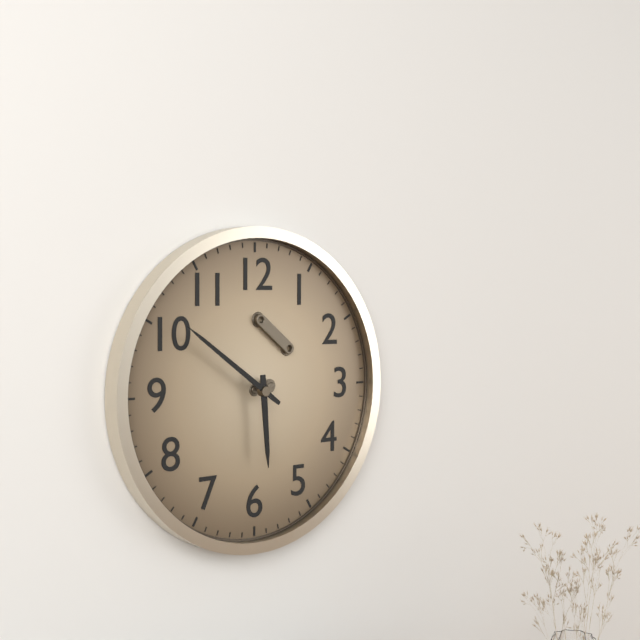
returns 5,51
